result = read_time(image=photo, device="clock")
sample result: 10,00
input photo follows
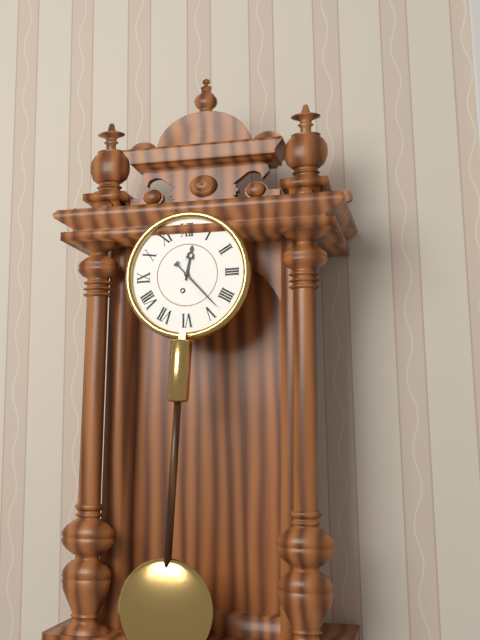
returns 12,23
